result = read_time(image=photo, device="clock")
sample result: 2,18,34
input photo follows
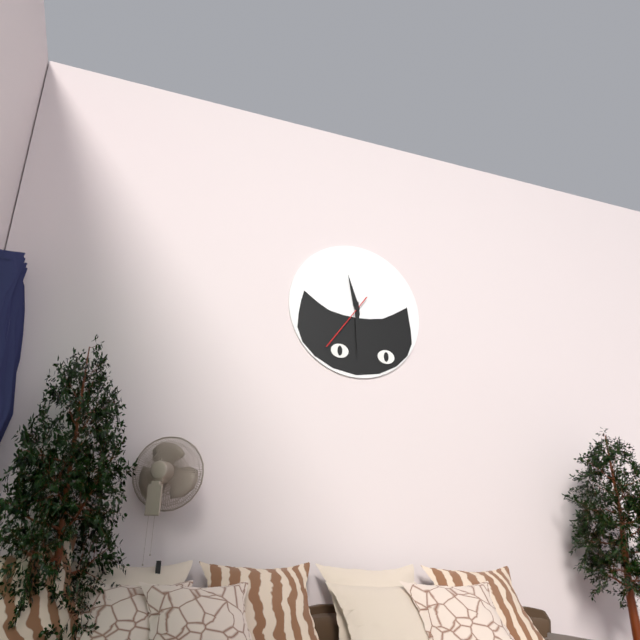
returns 11,30,36
